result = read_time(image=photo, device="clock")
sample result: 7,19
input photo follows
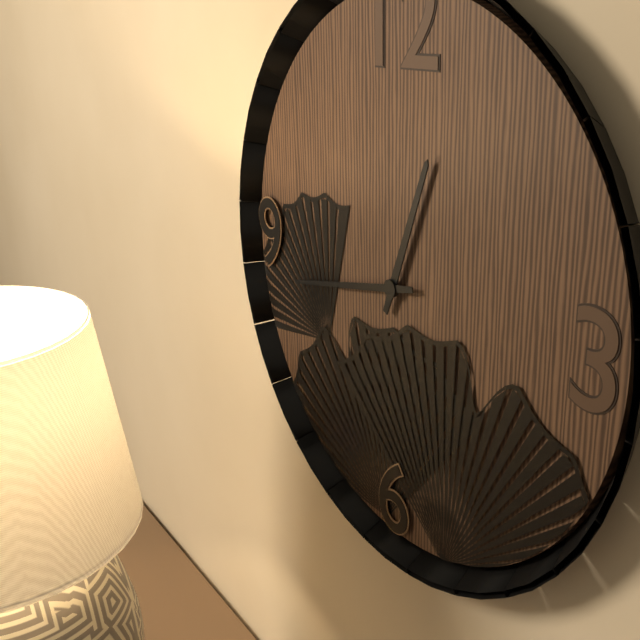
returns 12,43
